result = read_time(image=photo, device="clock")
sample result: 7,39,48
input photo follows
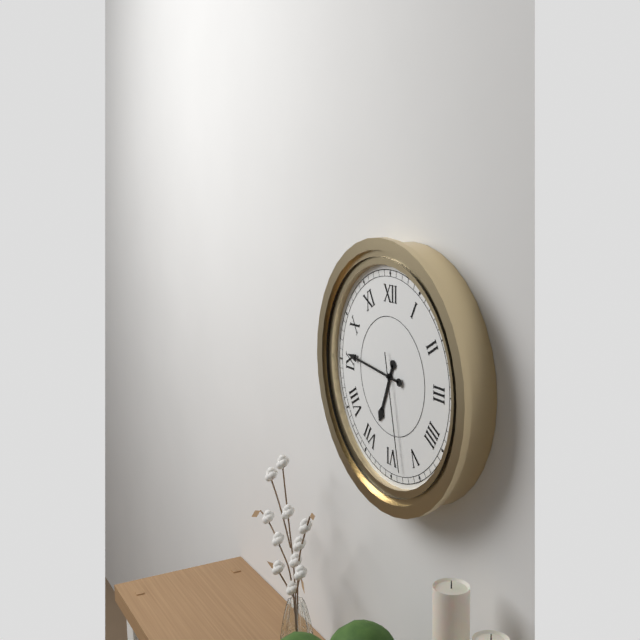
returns 6,46,28
